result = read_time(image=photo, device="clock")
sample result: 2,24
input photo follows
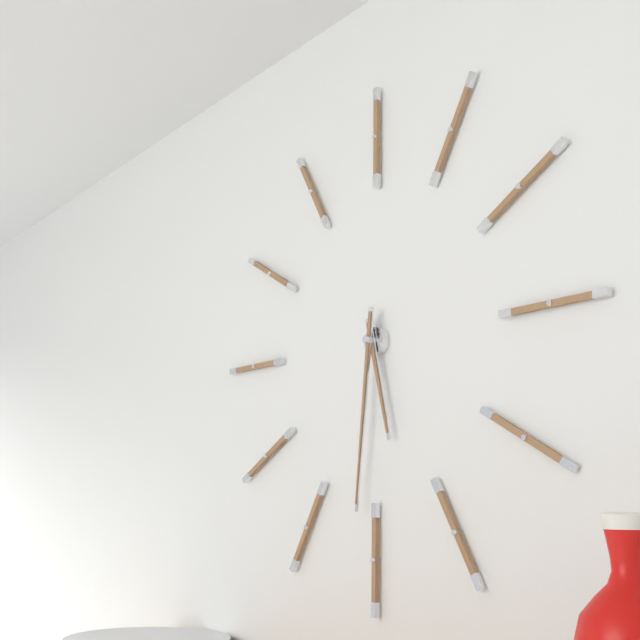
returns 5,31
